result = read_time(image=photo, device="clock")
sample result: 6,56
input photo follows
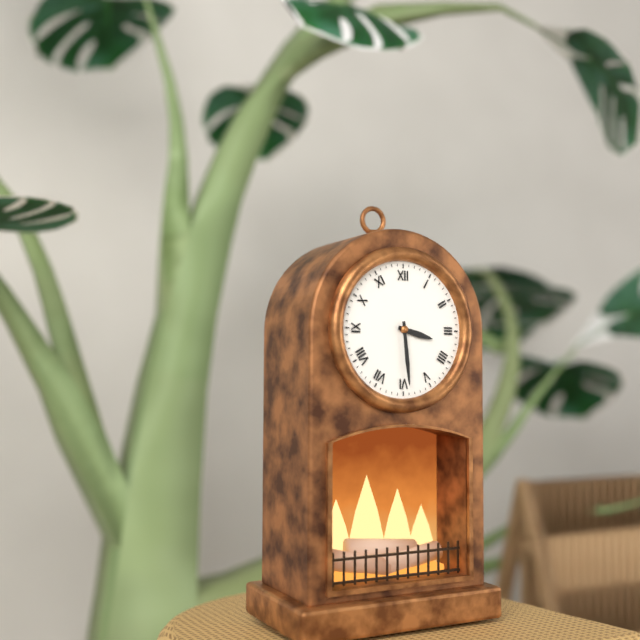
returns 3,29
